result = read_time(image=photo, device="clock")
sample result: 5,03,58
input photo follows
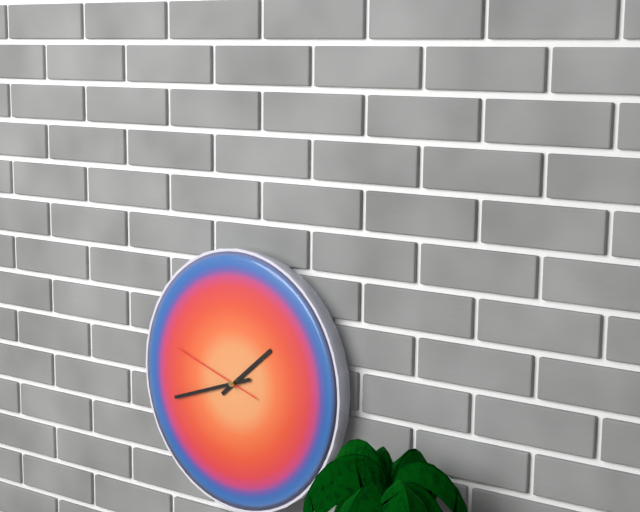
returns 1,42,48
